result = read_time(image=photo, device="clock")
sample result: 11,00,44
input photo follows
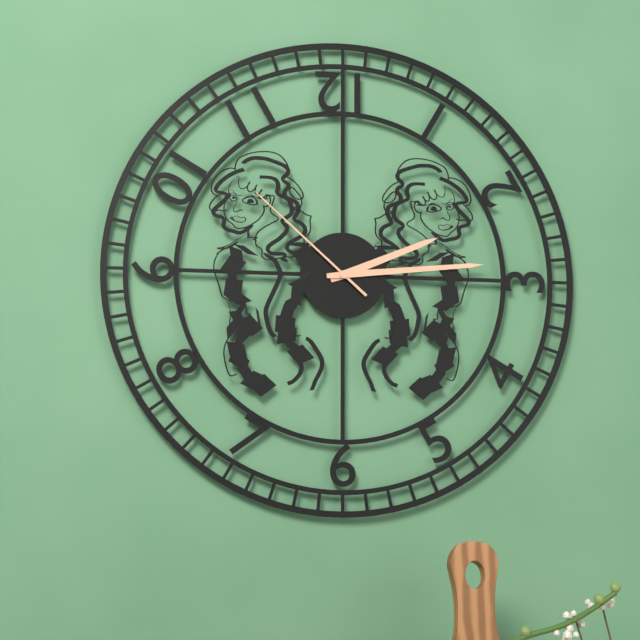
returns 2,14,52
